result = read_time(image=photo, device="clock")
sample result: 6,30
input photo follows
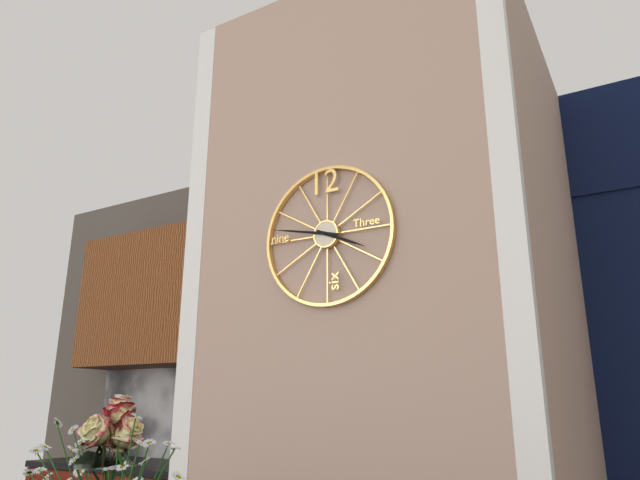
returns 3,47
